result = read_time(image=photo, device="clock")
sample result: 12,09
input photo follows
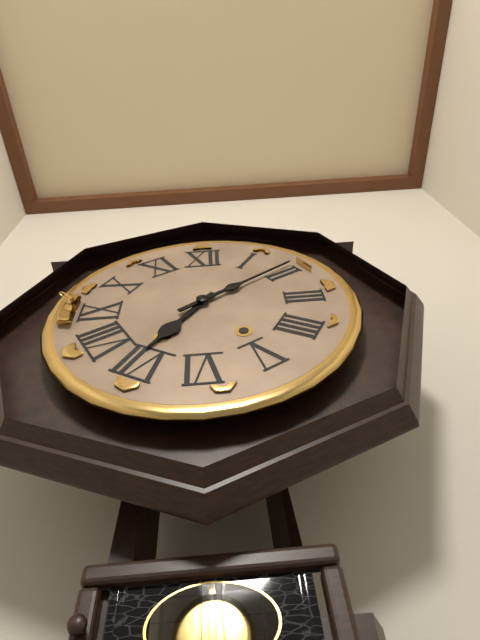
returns 7,09
